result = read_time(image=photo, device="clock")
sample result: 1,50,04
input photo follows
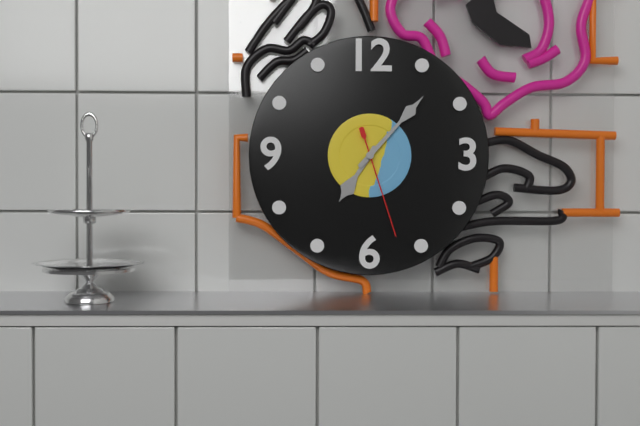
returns 7,07,27
